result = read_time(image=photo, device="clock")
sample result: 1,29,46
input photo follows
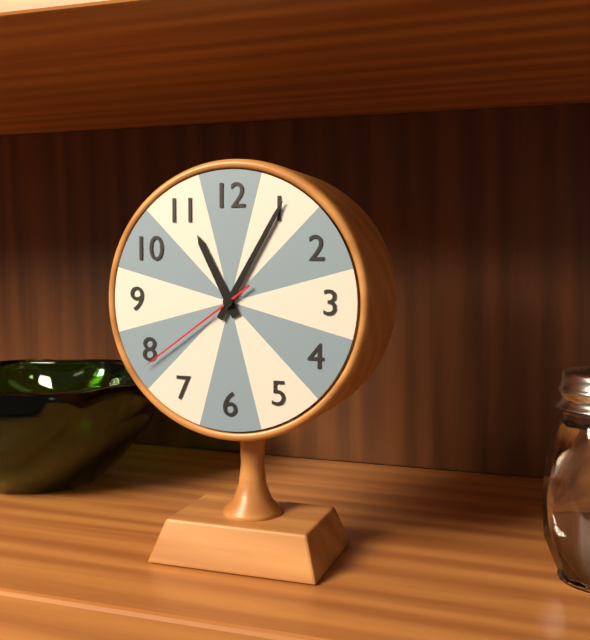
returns 11,05,39
